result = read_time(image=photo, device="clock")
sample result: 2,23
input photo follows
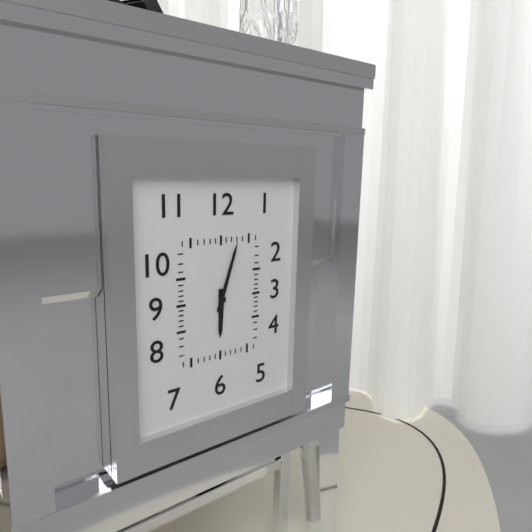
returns 6,03
